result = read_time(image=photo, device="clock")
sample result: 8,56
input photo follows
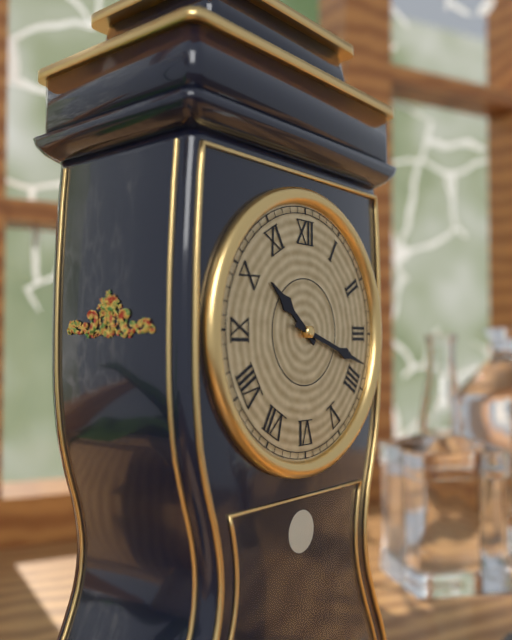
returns 10,18
